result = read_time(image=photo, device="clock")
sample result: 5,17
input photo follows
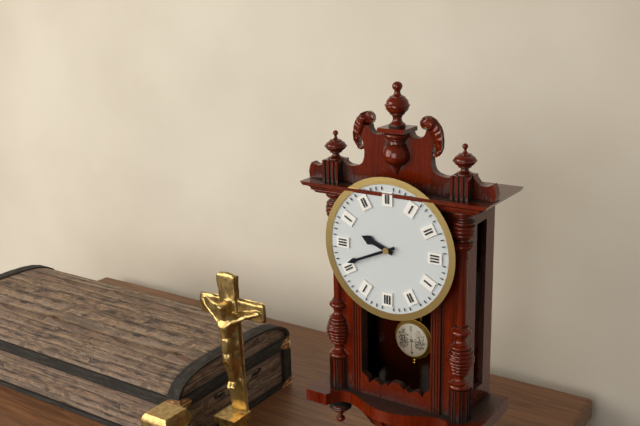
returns 9,41
